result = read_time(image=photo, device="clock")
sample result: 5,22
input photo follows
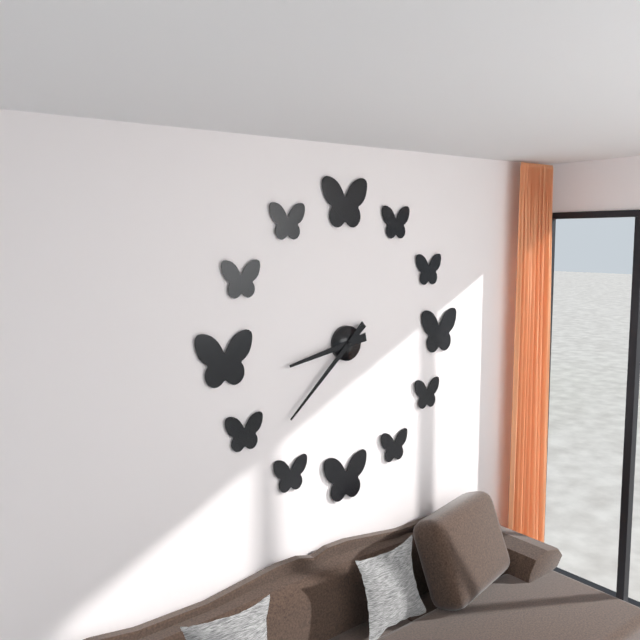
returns 8,38
